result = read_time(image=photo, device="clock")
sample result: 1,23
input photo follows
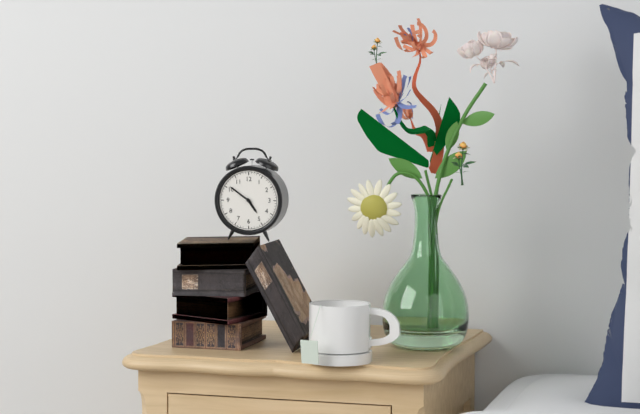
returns 4,51
